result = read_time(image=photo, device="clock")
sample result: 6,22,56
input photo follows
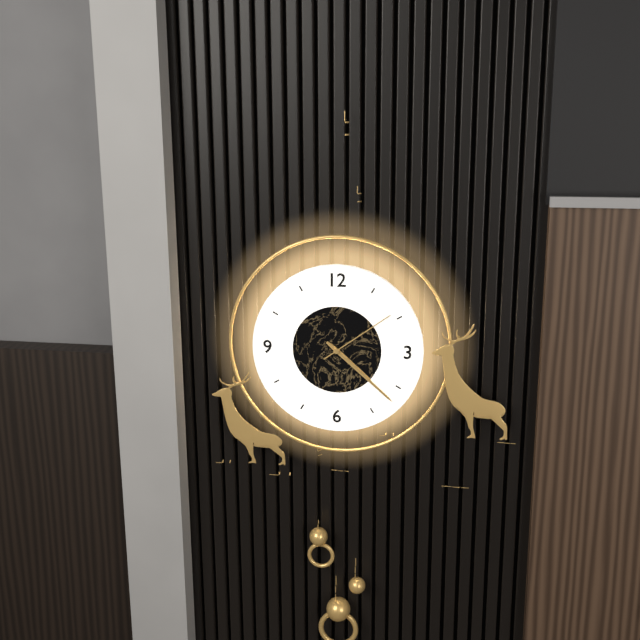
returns 4,22,09
